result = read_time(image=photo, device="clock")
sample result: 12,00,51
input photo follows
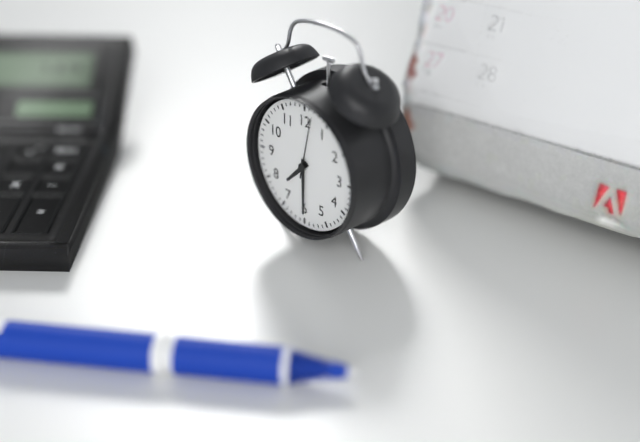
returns 7,30,02
